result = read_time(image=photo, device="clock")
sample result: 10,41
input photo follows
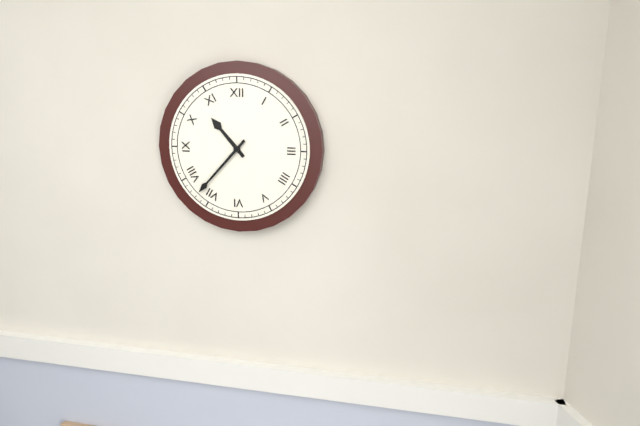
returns 10,37
